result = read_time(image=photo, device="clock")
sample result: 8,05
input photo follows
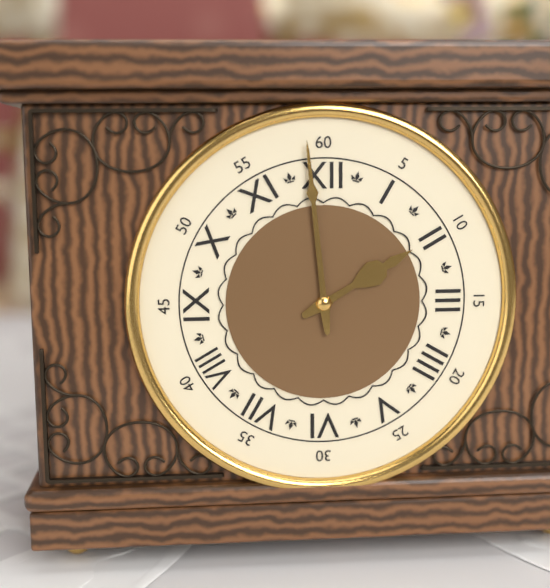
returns 1,59
